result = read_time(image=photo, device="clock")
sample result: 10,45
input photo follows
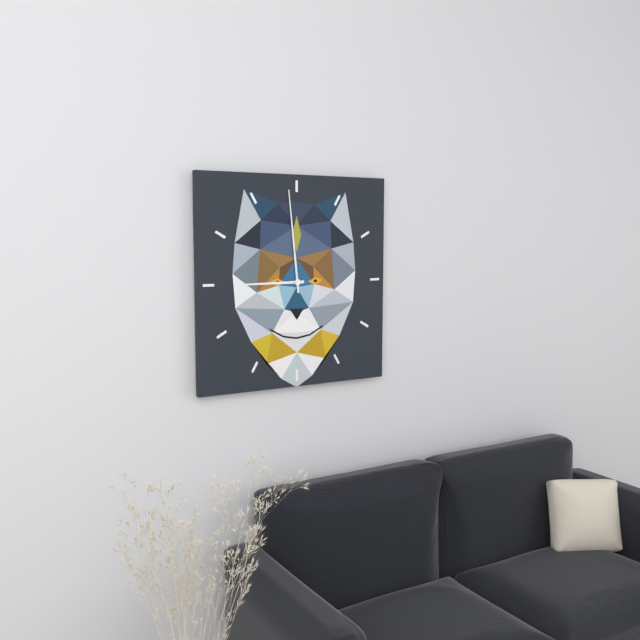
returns 8,59
